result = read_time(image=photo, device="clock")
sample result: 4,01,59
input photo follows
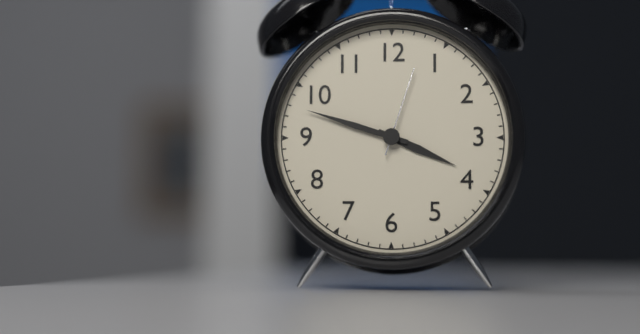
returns 3,48,03
